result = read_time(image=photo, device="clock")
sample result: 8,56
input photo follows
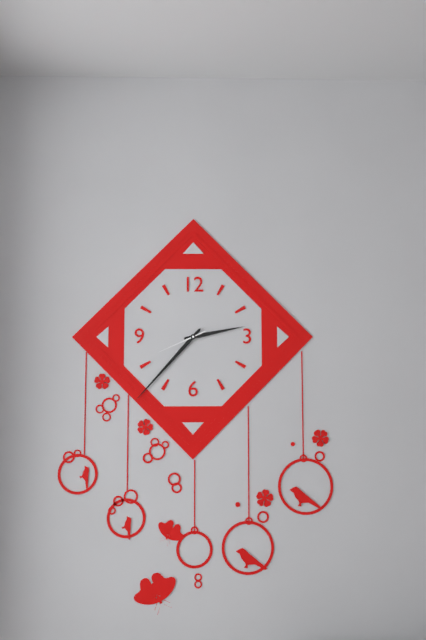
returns 2,37
